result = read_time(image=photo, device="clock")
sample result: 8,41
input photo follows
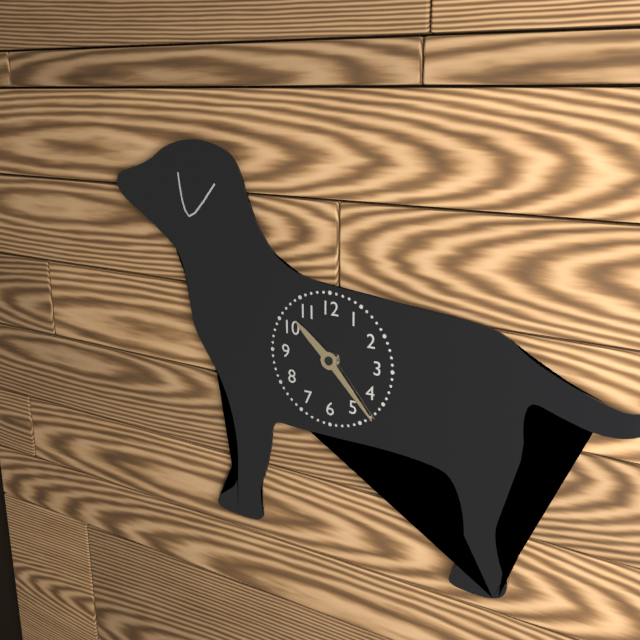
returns 10,23
